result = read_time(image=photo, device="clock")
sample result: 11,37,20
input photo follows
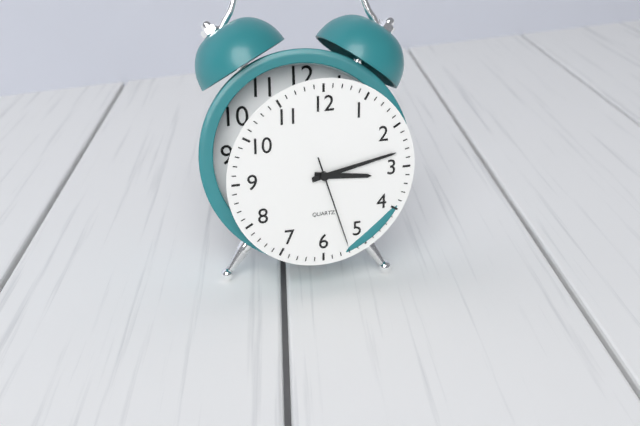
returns 3,13,27
